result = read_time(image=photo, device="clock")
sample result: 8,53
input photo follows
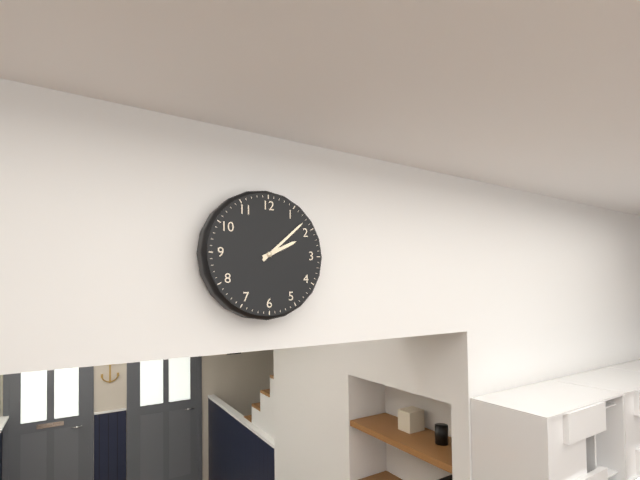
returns 2,08
